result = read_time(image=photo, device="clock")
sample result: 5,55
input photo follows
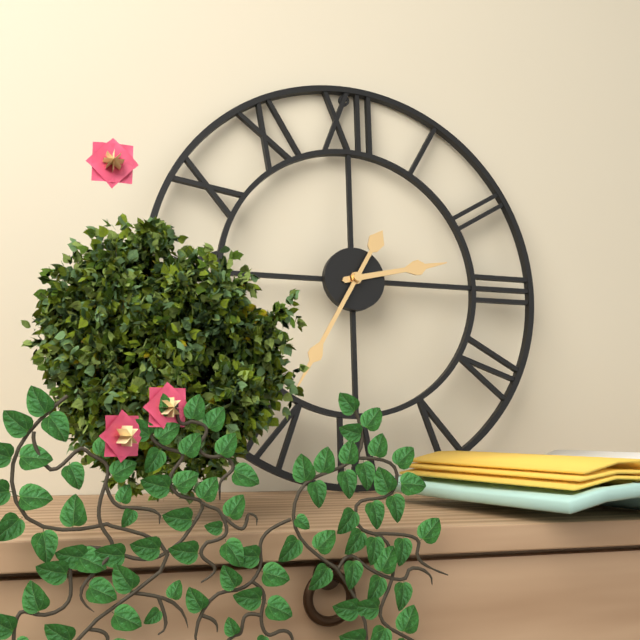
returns 2,35
